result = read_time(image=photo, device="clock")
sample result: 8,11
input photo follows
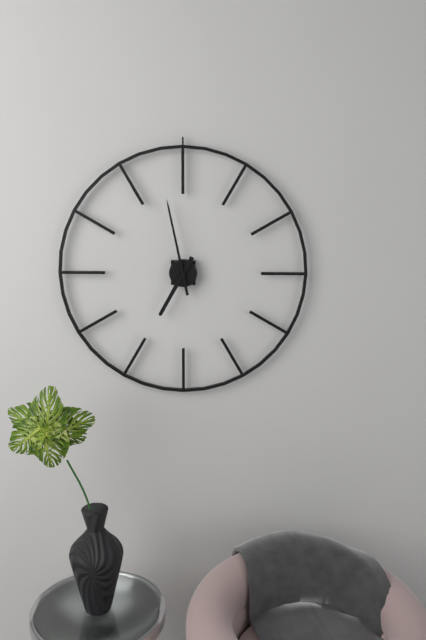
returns 6,58
